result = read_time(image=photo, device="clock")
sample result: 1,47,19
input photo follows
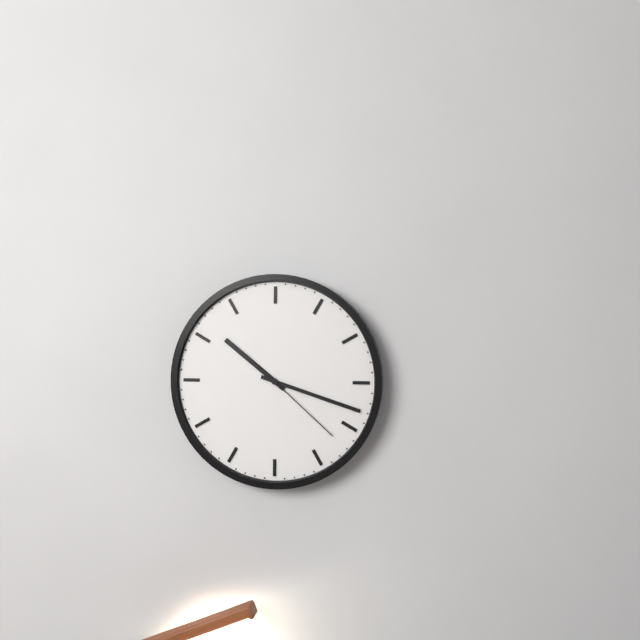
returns 10,18,22
